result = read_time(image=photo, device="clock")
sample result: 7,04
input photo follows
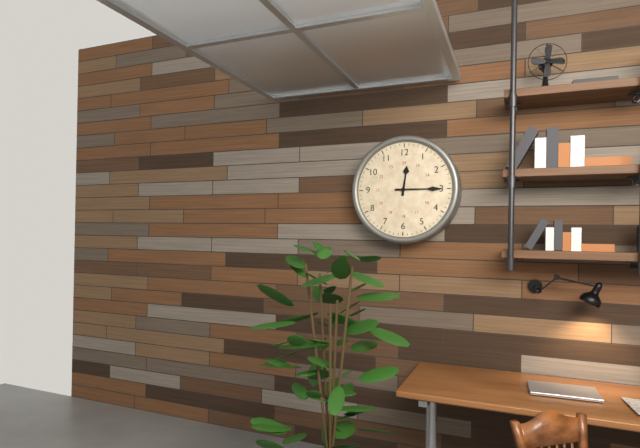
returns 12,15
